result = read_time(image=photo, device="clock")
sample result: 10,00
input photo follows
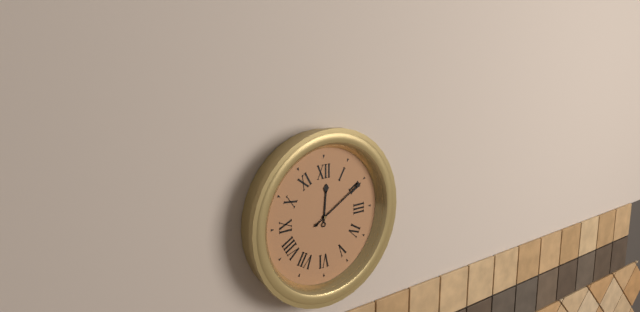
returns 12,10
